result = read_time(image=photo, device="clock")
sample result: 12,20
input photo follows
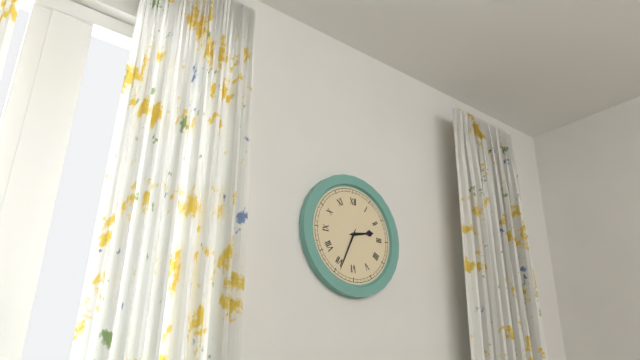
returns 2,34
